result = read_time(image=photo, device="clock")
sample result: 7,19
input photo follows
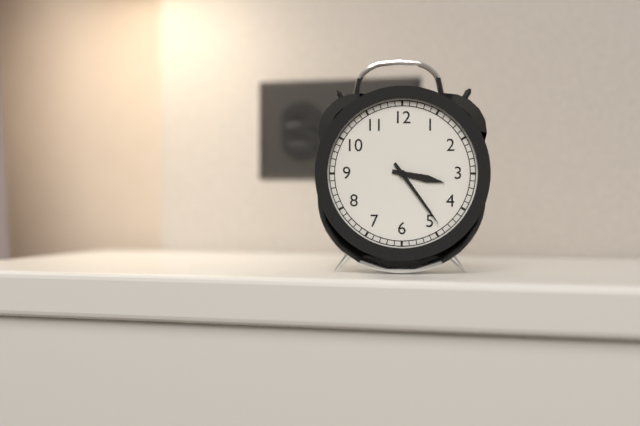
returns 3,24
